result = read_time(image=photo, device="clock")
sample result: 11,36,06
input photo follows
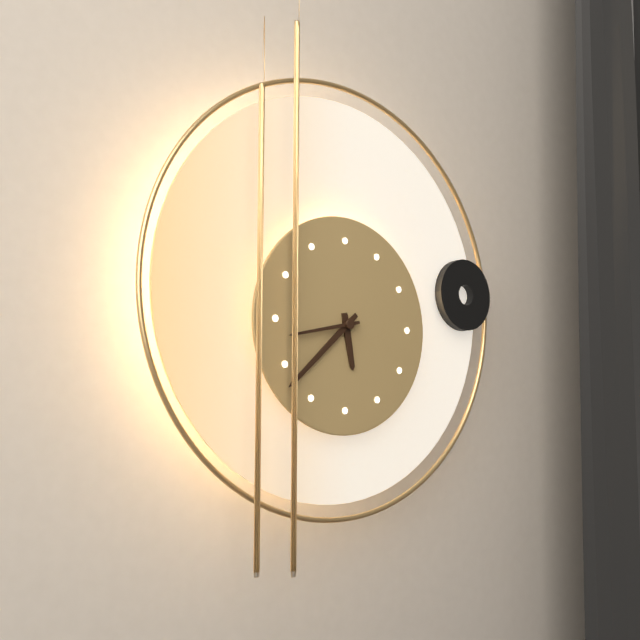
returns 5,38,43
